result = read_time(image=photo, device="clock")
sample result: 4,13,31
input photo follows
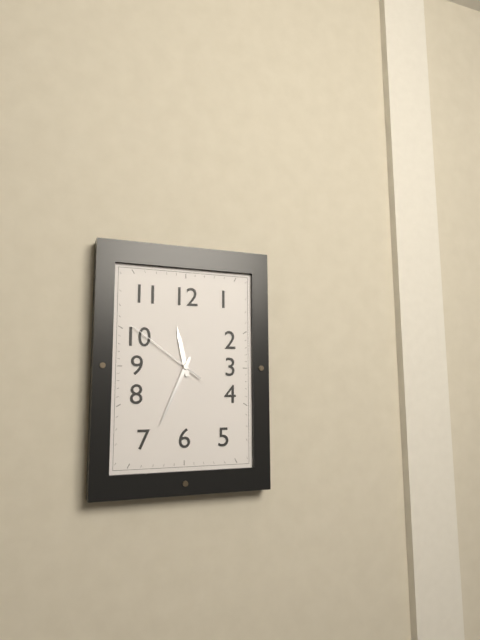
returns 11,34,51
